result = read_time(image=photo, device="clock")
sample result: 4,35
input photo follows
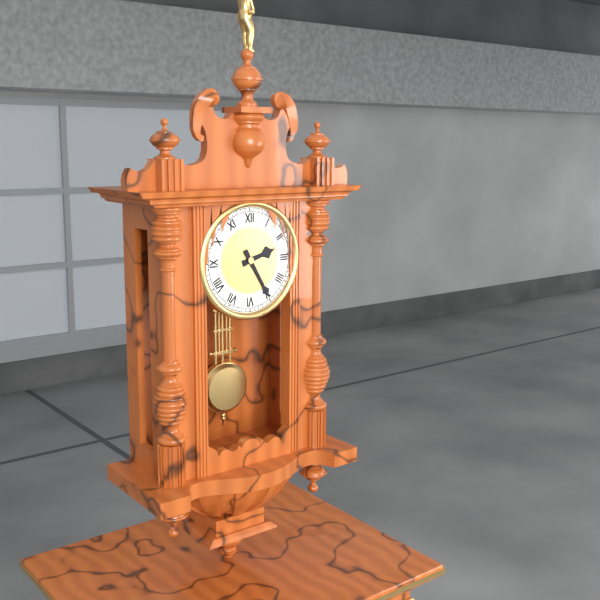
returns 2,25
